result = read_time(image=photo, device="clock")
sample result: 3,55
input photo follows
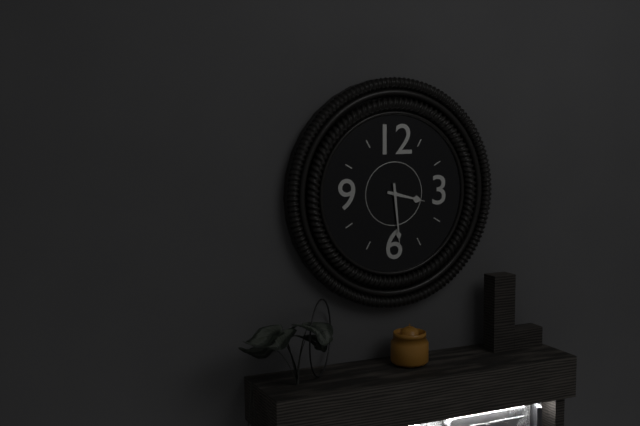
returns 3,29
